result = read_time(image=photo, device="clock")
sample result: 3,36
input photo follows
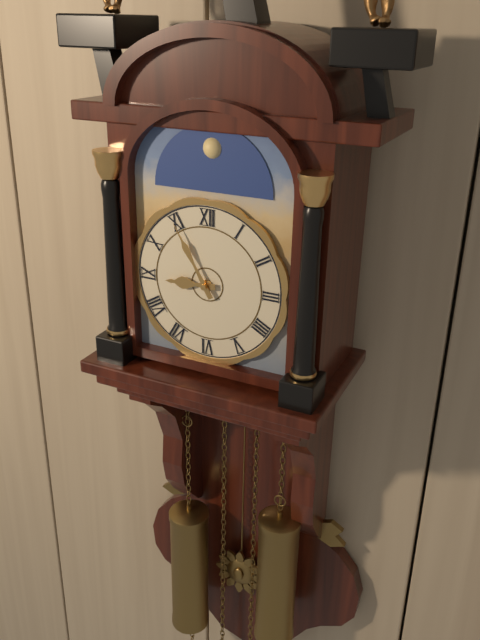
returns 8,55
